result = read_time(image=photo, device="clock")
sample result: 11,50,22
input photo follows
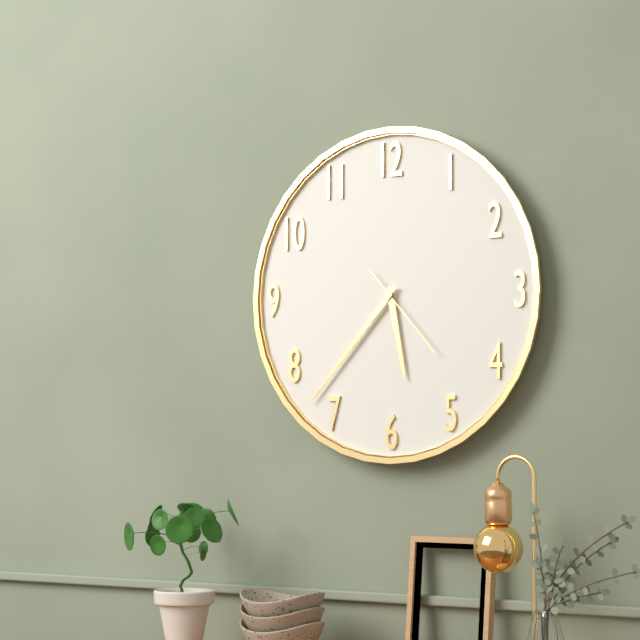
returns 5,37,23
